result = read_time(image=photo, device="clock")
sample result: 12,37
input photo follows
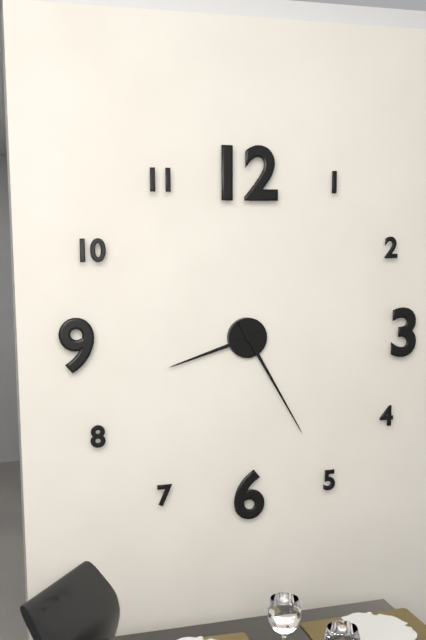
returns 8,25
